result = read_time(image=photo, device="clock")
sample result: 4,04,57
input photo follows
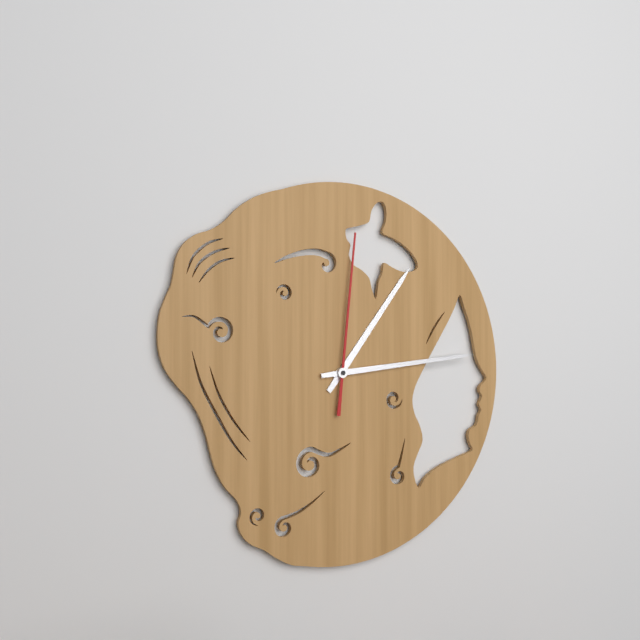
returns 1,14,01
